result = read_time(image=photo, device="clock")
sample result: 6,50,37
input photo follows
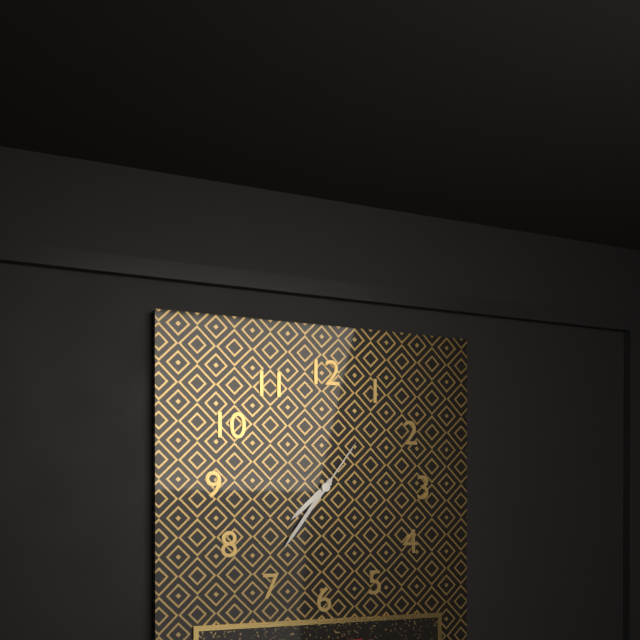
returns 7,36,06
